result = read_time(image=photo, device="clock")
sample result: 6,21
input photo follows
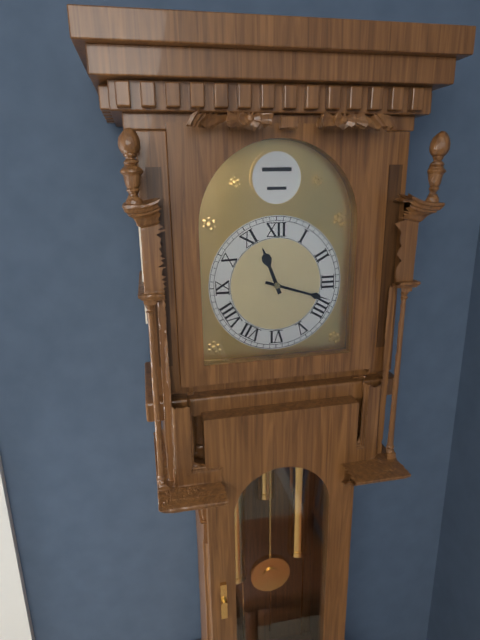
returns 11,18
